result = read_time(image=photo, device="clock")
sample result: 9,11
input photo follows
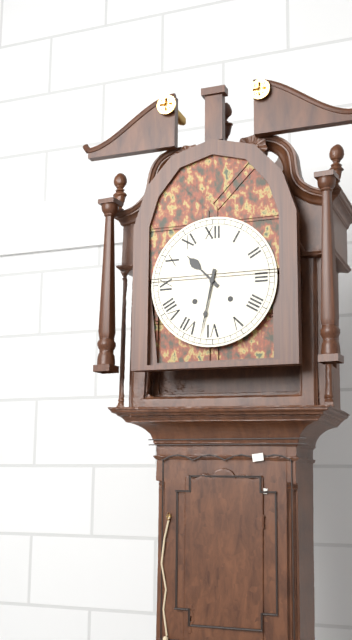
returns 10,32
